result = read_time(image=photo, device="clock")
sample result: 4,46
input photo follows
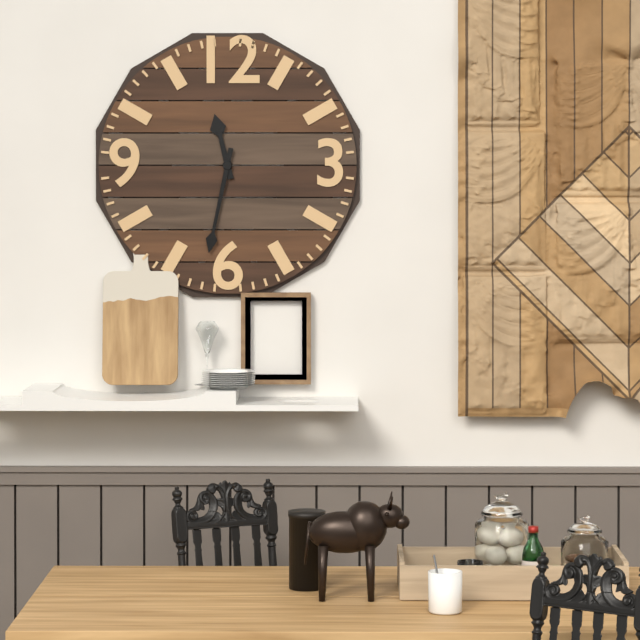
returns 11,32
